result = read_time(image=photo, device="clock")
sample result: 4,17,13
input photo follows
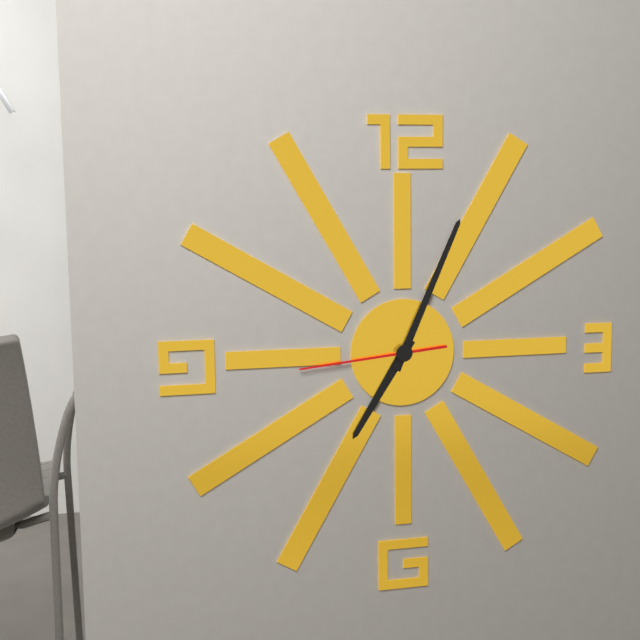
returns 7,04,44
